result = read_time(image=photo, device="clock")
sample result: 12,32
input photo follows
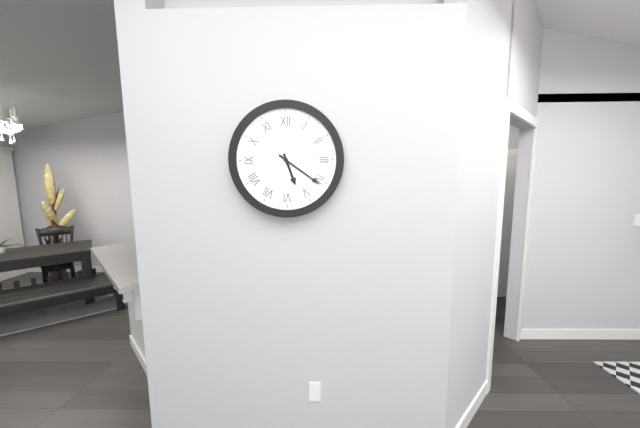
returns 5,21
